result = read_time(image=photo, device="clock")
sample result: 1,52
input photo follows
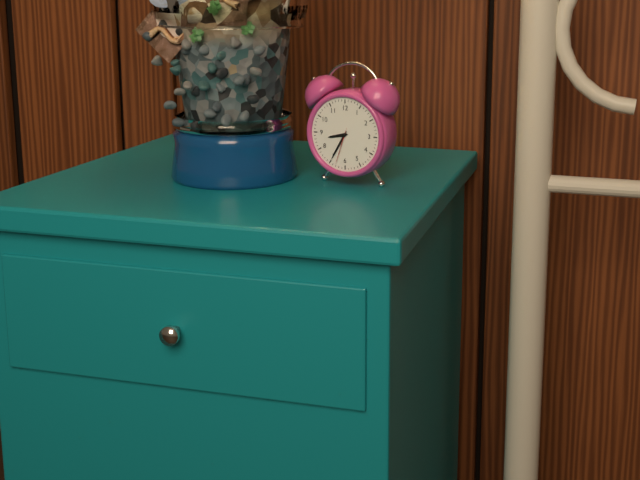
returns 8,35
